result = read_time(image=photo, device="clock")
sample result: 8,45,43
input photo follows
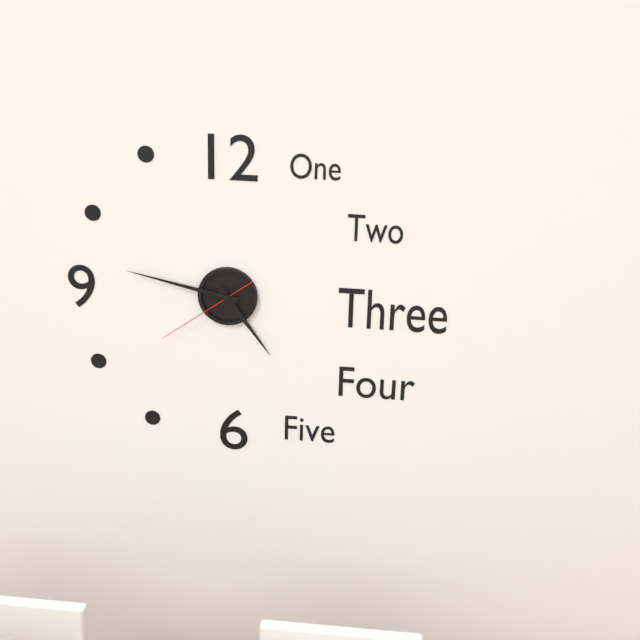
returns 4,47,39
